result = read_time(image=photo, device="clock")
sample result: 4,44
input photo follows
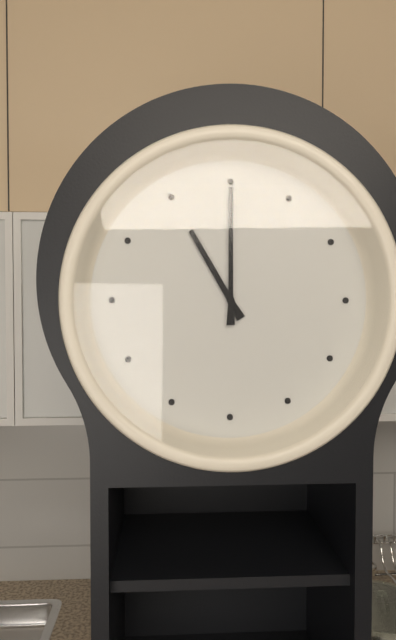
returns 11,00
